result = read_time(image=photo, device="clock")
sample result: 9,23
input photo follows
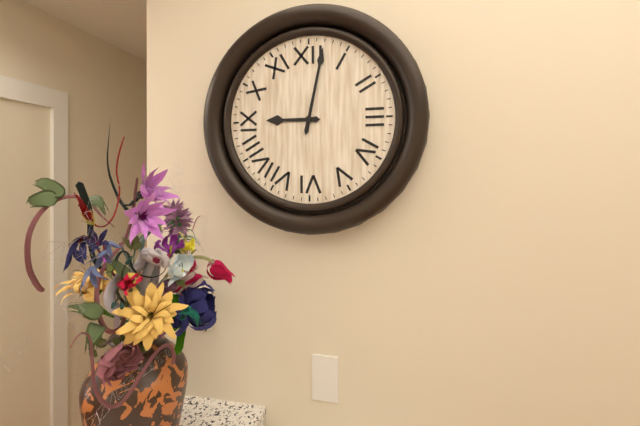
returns 9,02
